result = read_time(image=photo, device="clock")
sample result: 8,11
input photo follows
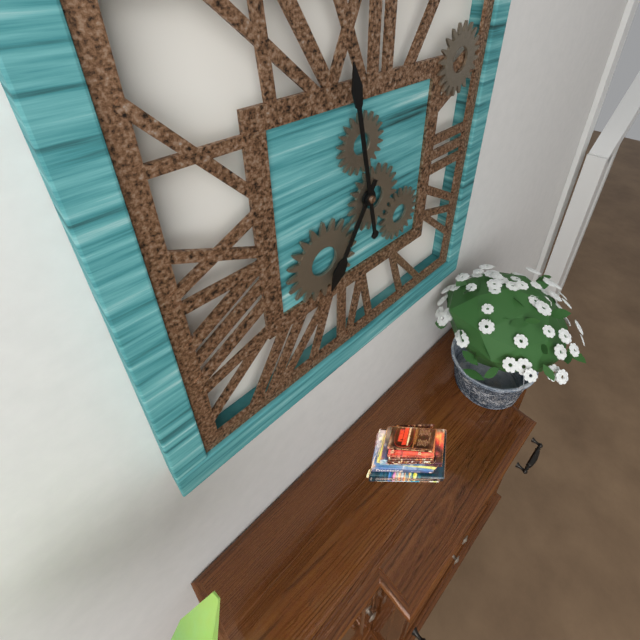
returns 6,58
